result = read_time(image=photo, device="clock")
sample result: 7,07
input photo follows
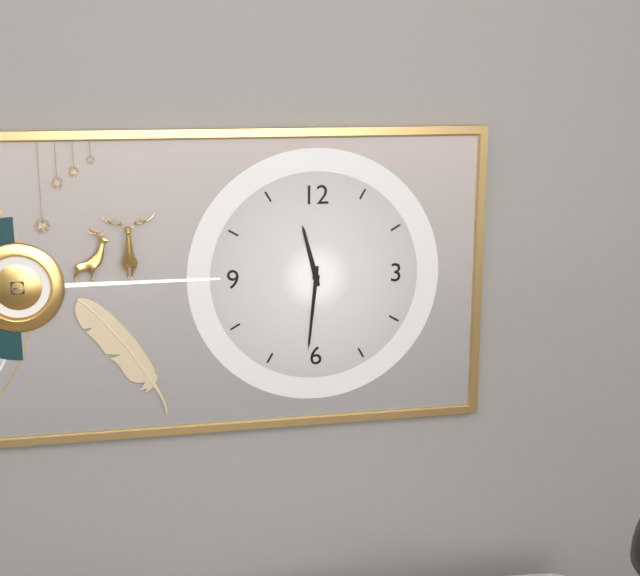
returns 11,31
